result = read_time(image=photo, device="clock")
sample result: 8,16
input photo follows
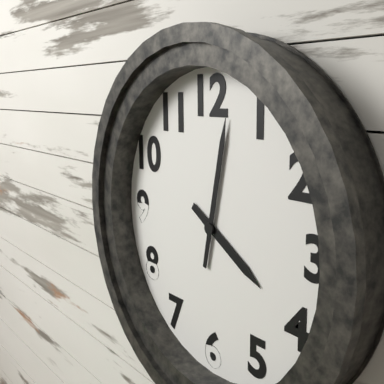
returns 4,02
